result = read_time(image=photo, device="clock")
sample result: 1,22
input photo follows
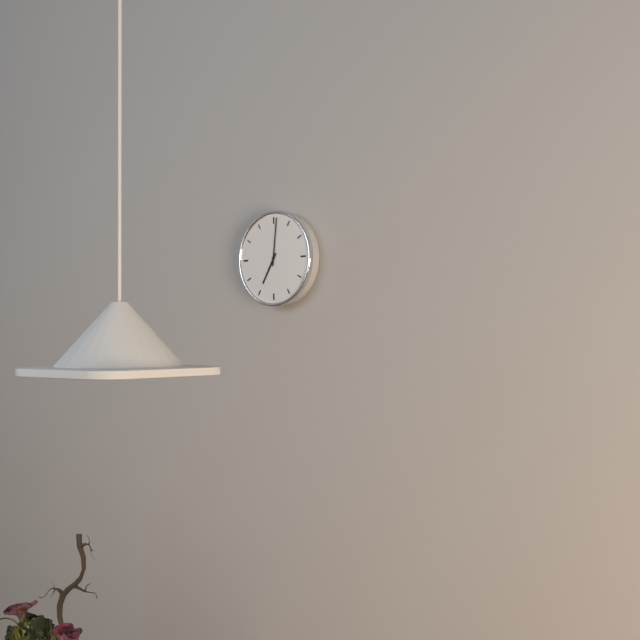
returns 7,01
